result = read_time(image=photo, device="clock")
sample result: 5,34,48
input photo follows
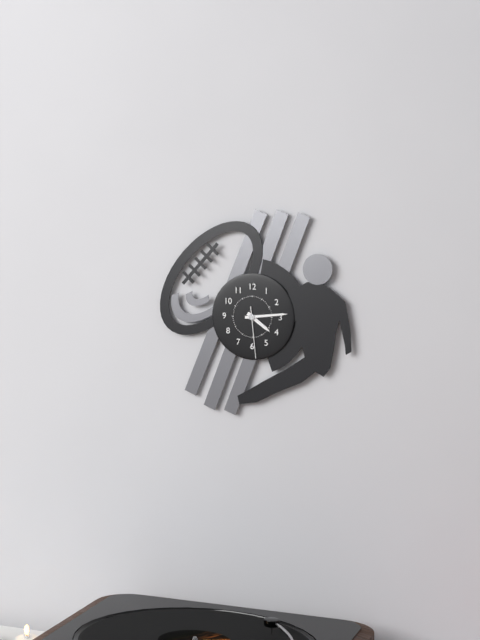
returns 4,14,29
